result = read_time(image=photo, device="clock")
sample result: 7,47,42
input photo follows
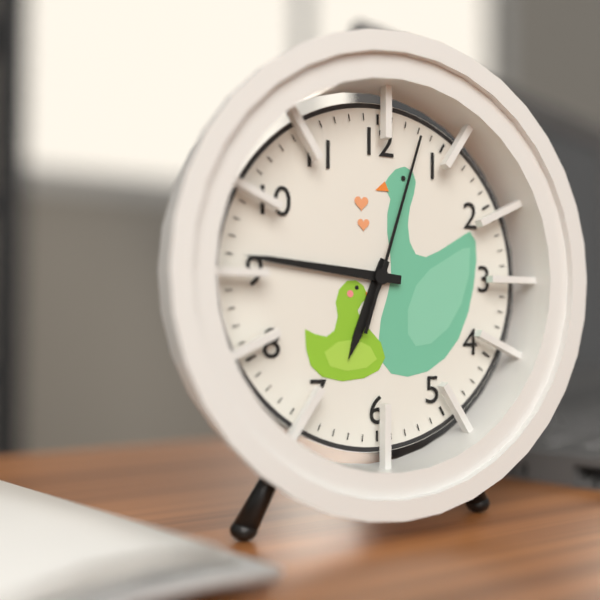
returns 6,46,03
